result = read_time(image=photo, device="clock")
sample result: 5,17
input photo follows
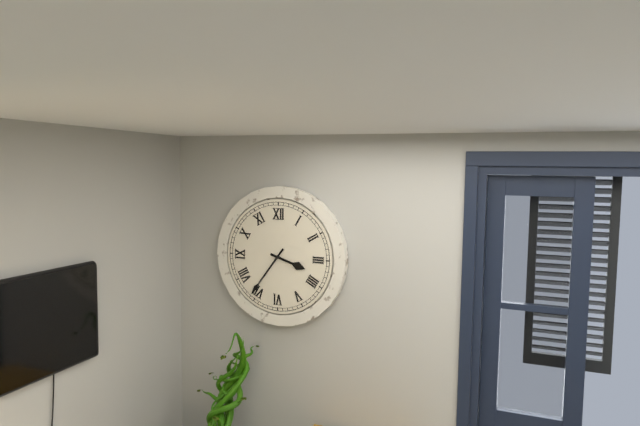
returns 3,36
